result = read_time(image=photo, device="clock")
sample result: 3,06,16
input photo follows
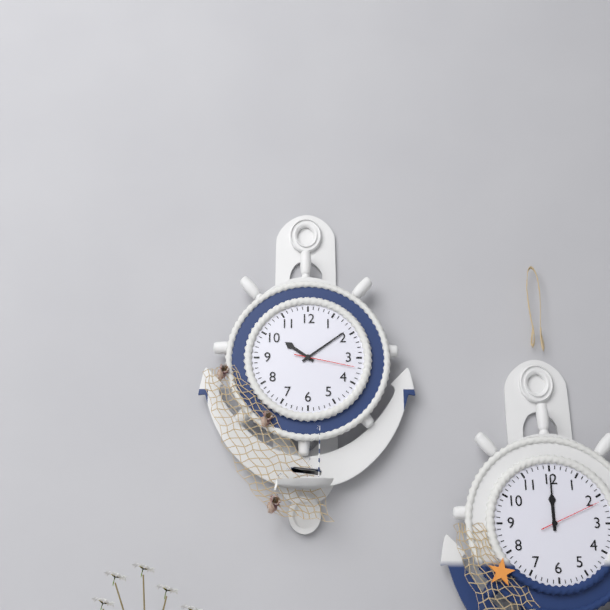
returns 10,09,17
